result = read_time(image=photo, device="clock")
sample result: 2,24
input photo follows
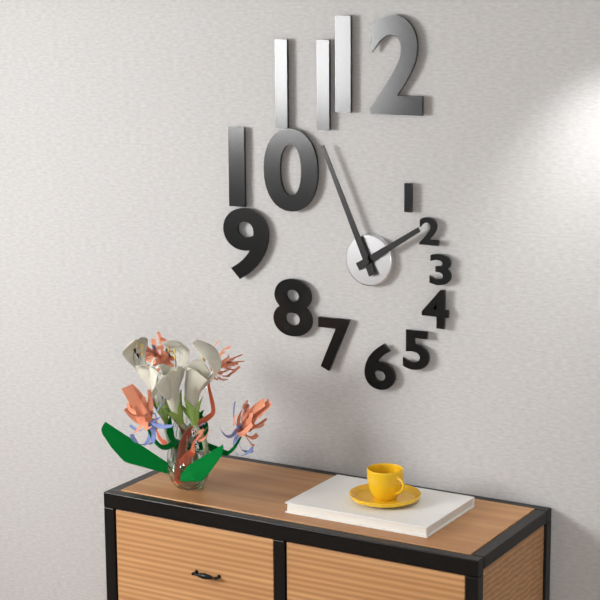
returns 1,56
